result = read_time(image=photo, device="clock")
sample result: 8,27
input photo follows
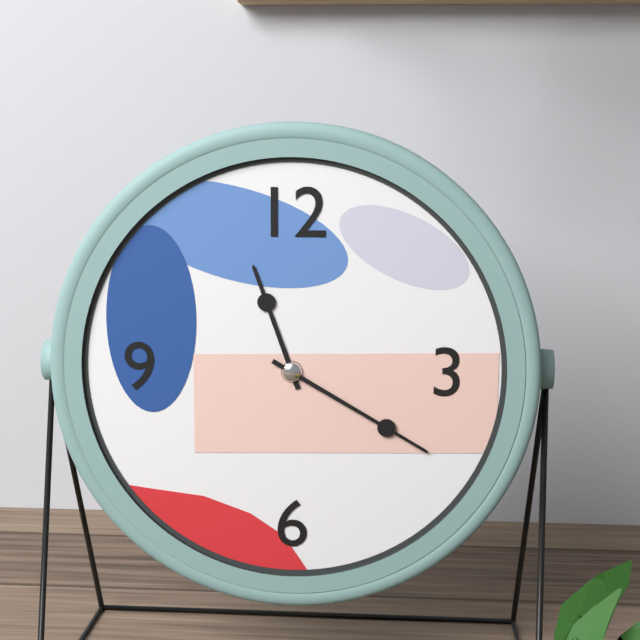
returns 11,20
